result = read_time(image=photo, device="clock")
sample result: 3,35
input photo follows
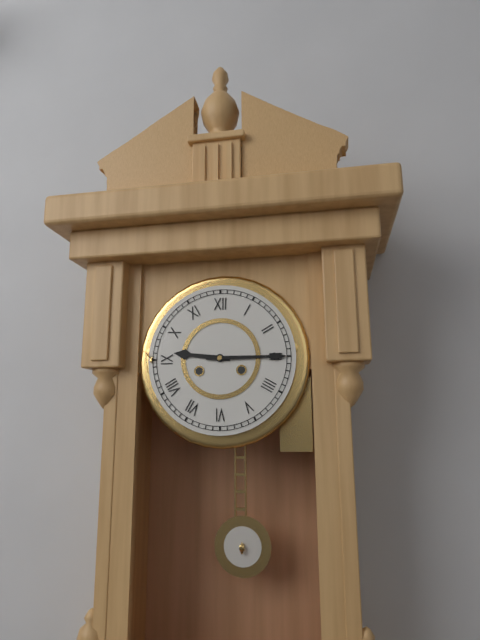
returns 9,15
